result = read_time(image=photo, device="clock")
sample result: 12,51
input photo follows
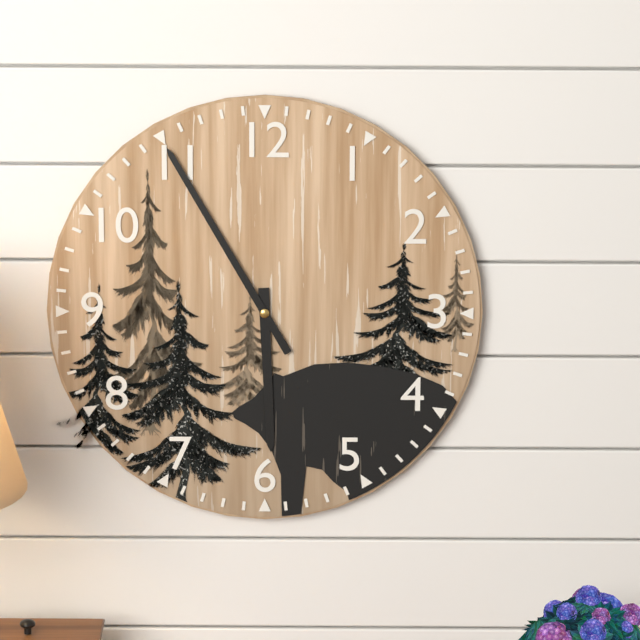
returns 5,55
